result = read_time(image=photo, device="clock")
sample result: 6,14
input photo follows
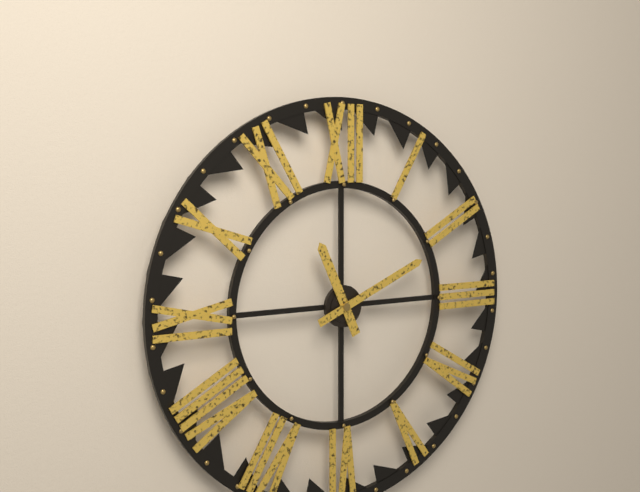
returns 11,11
